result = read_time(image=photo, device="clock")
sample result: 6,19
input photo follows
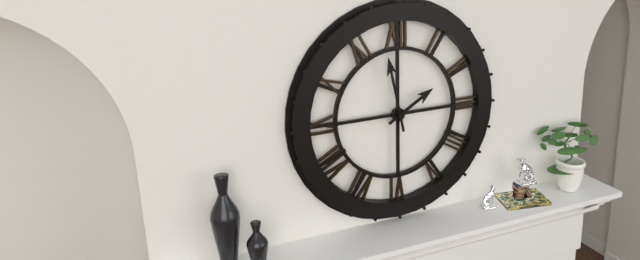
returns 1,58
